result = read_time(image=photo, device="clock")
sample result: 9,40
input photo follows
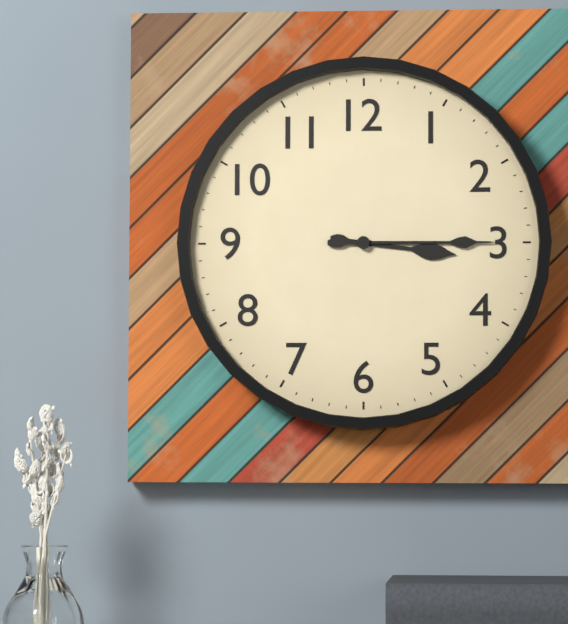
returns 3,15
